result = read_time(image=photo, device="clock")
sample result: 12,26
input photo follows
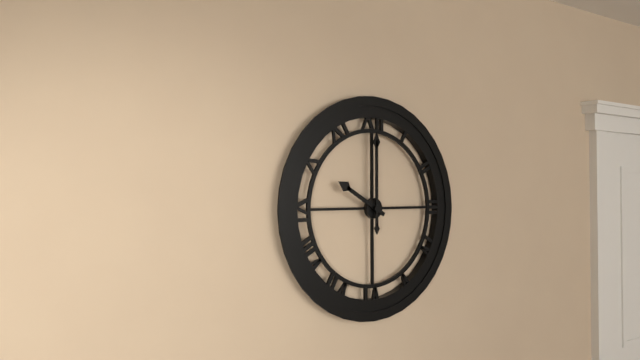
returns 10,00
